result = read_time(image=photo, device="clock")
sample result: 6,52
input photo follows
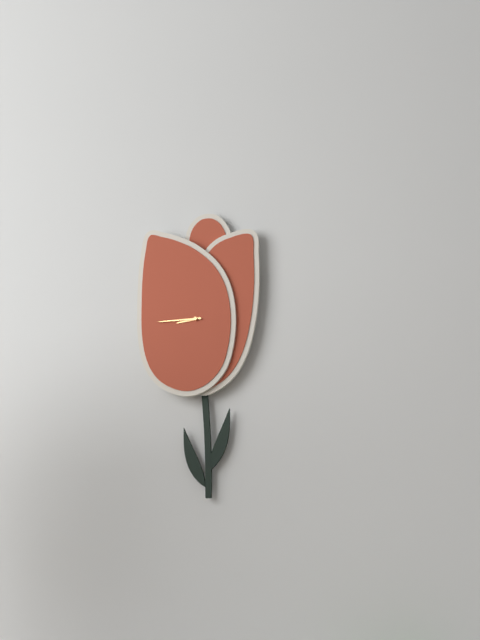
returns 8,45
